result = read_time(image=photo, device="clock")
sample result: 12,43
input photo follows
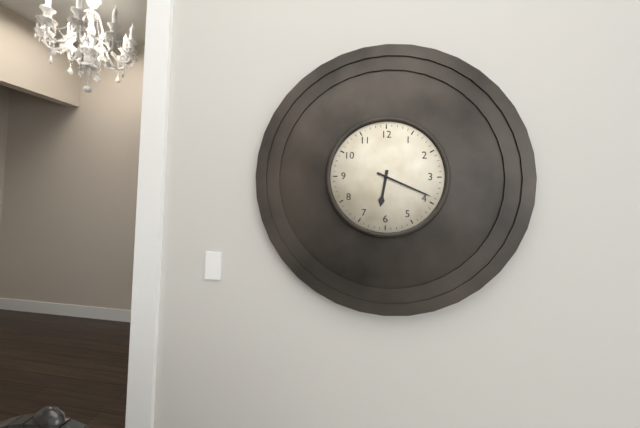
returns 6,19
